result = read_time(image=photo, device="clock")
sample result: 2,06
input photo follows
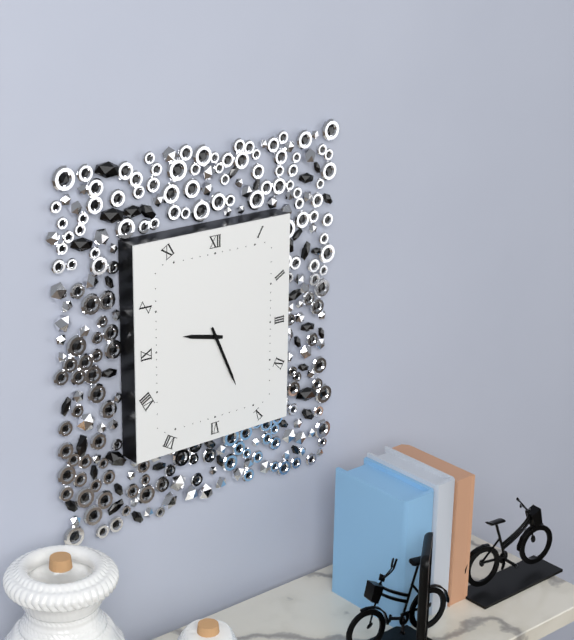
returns 9,26
